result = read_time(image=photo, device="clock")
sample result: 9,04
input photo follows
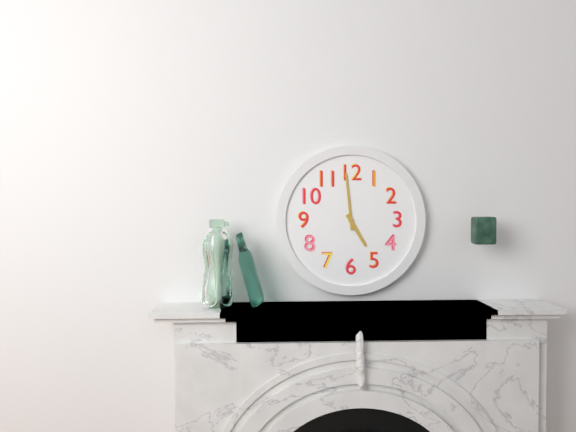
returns 4,59
